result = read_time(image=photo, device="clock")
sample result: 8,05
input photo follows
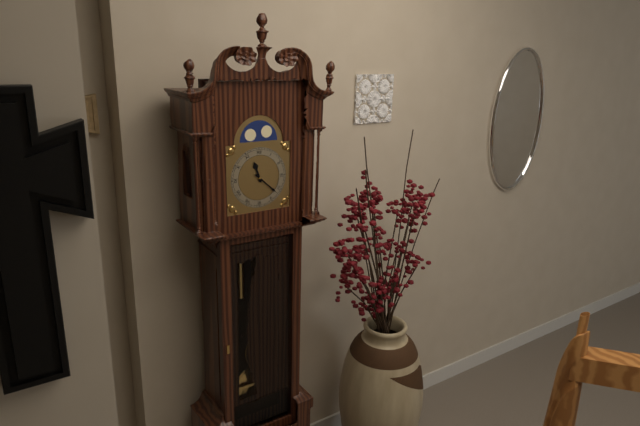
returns 11,22
